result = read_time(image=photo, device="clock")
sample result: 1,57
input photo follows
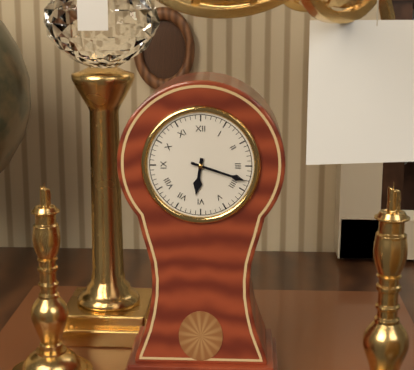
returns 6,18
